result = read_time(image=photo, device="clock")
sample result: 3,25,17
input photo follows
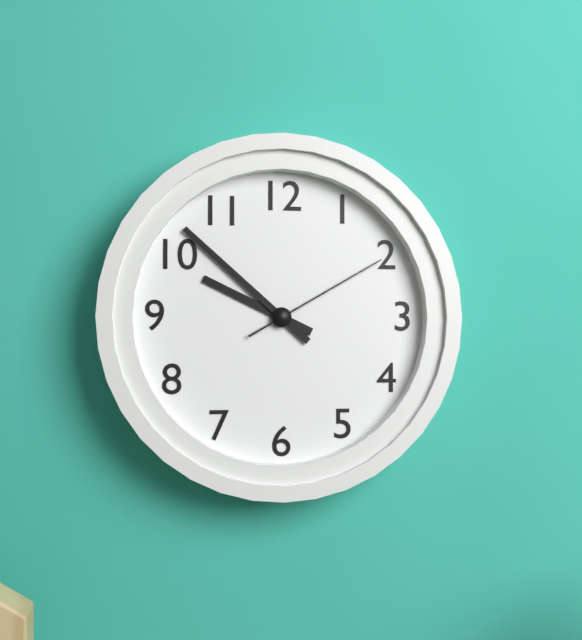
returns 9,52,10
